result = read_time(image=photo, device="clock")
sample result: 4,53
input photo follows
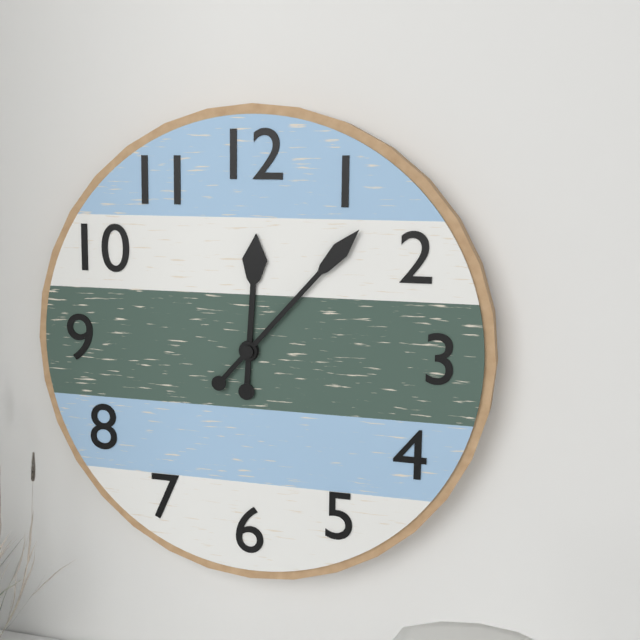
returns 12,07
